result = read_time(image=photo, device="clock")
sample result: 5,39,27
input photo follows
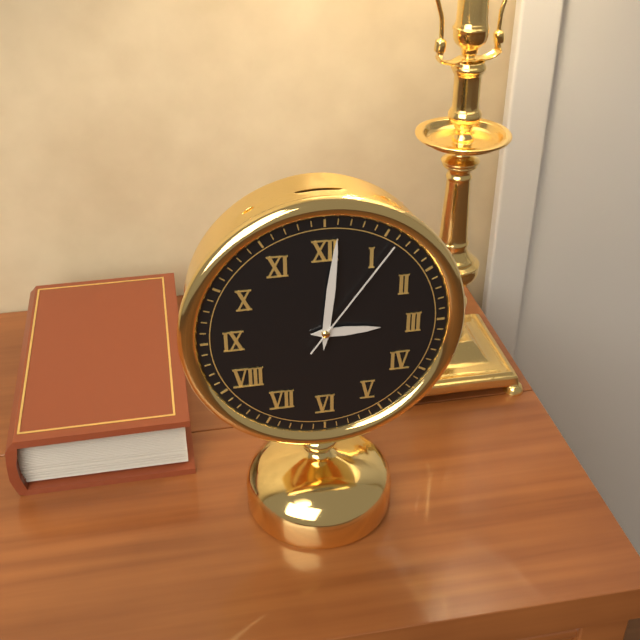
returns 3,01,06
